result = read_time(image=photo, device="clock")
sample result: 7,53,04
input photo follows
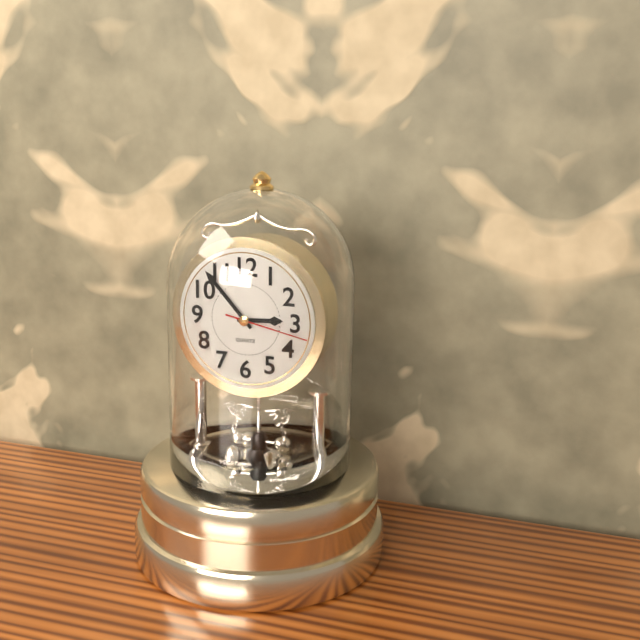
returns 2,53,17
